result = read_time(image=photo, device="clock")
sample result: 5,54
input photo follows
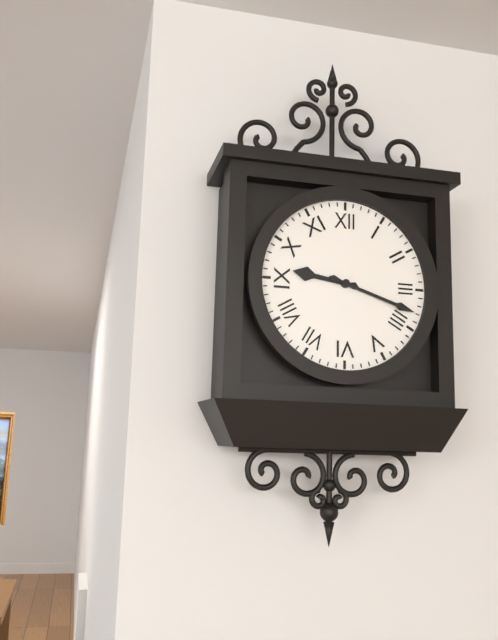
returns 9,18
